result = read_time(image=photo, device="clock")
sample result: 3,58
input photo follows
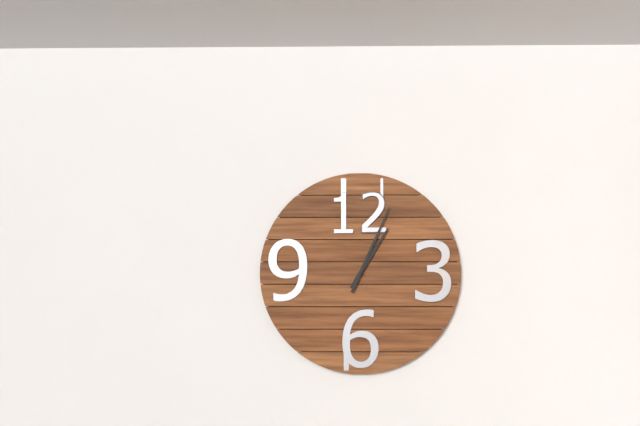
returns 1,04
